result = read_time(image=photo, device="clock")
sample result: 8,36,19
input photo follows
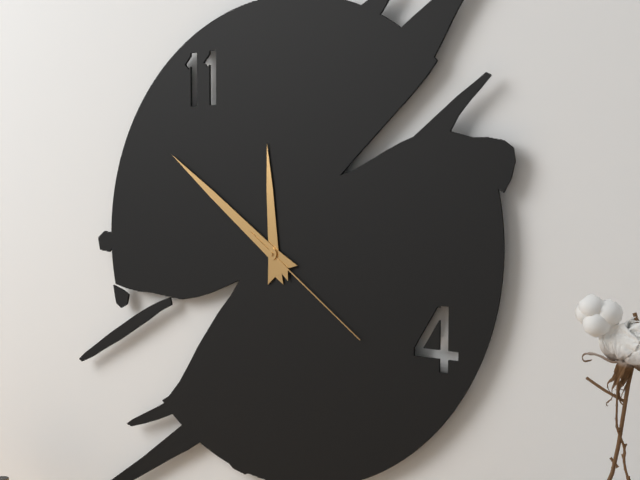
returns 11,51,21
